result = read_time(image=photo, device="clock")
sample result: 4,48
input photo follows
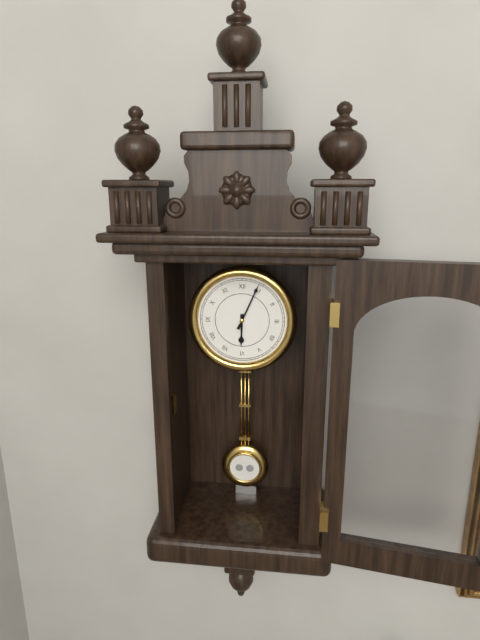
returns 6,04
